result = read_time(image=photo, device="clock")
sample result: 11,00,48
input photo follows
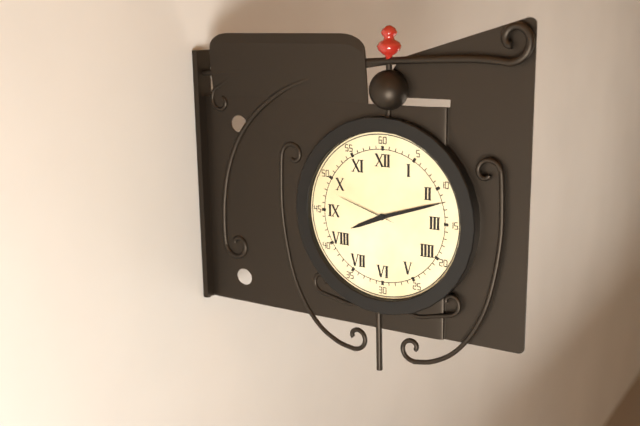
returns 8,12,48
